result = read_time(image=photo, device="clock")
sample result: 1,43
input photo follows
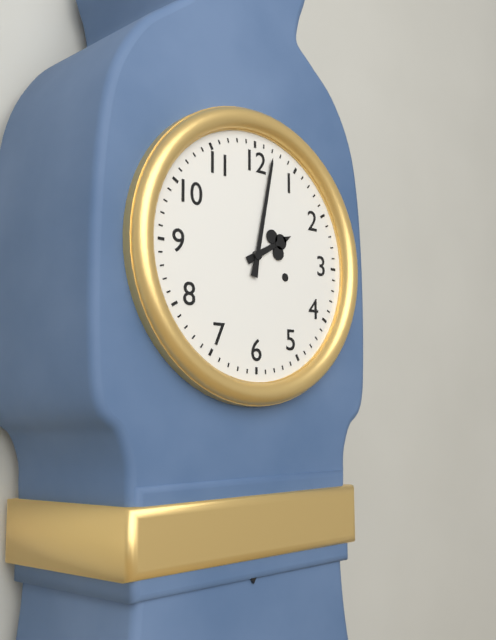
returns 2,02
